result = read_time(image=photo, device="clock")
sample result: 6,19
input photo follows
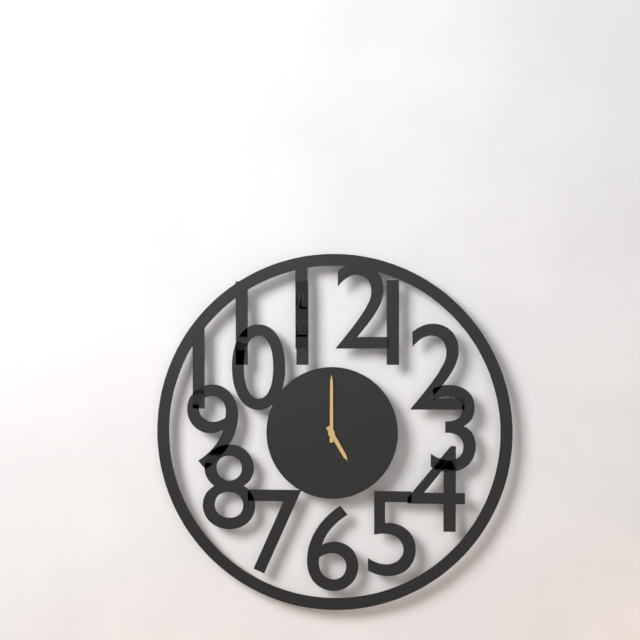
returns 5,00
